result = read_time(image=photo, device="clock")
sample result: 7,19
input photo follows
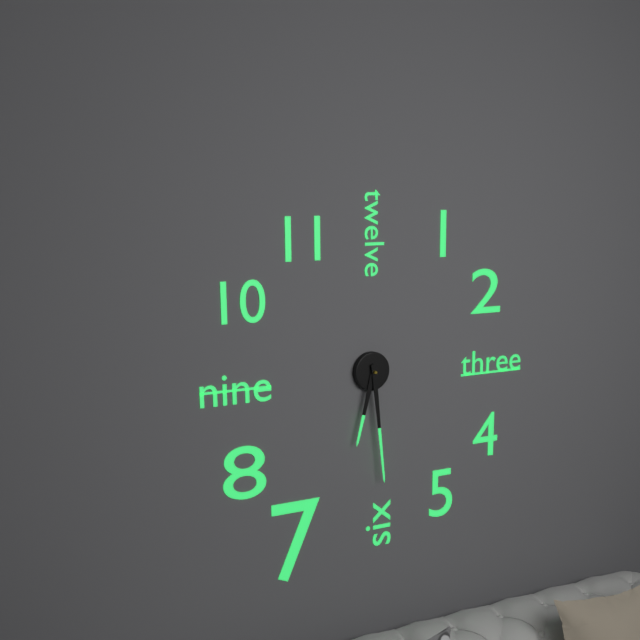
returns 6,29
